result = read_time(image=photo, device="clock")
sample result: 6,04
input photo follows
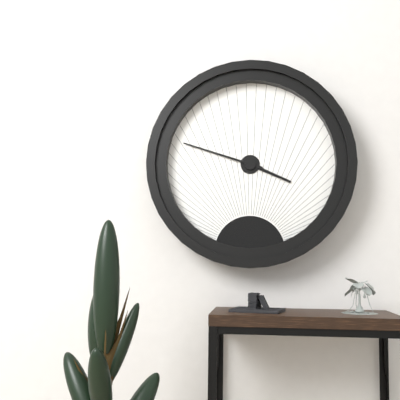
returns 3,48
